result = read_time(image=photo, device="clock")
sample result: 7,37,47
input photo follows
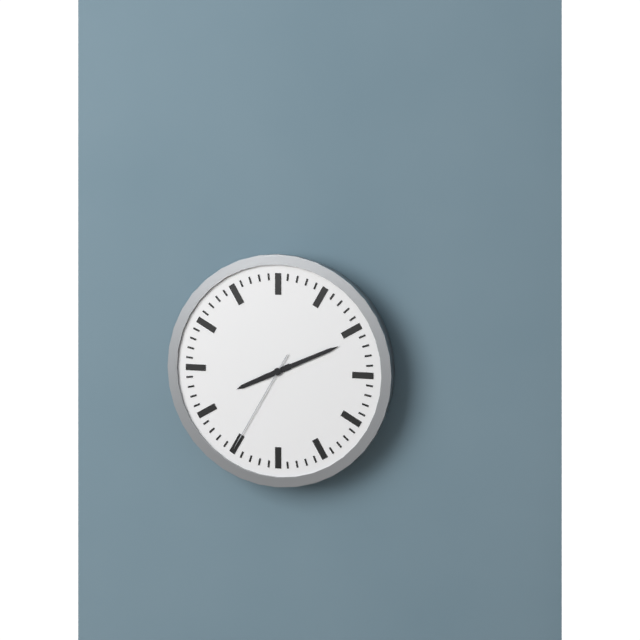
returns 8,11,35
